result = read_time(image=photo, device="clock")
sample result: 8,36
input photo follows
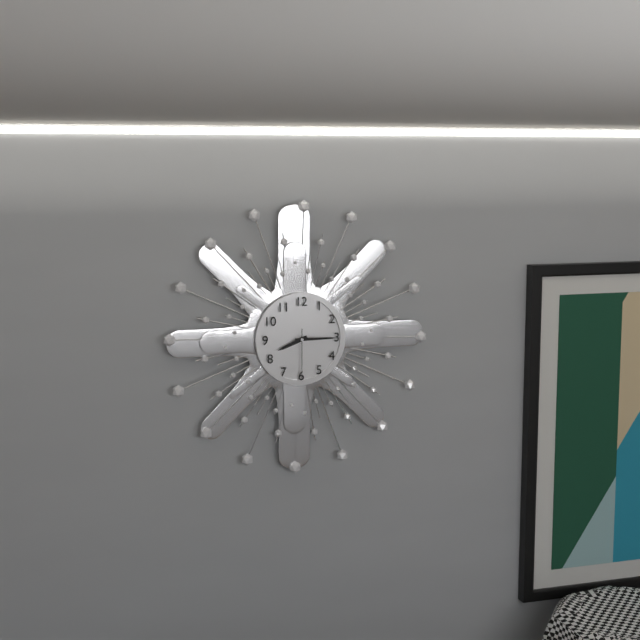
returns 8,15
